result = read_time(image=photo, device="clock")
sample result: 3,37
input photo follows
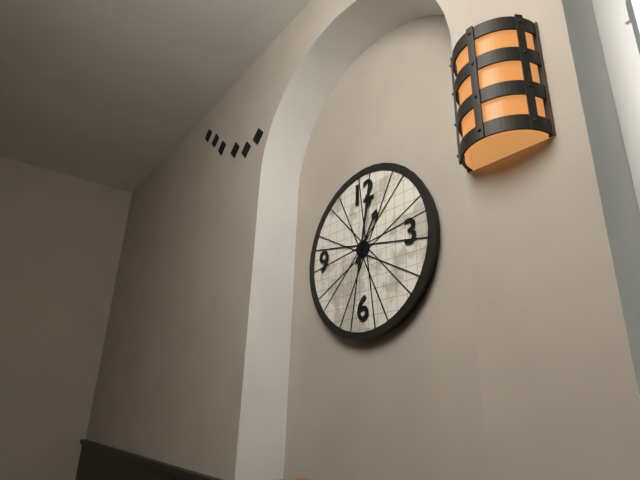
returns 1,02
